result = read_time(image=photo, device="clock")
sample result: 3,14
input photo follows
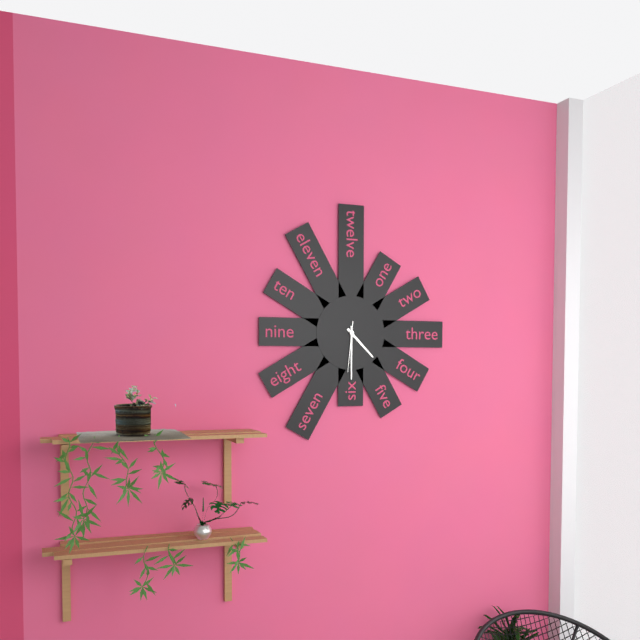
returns 4,30
